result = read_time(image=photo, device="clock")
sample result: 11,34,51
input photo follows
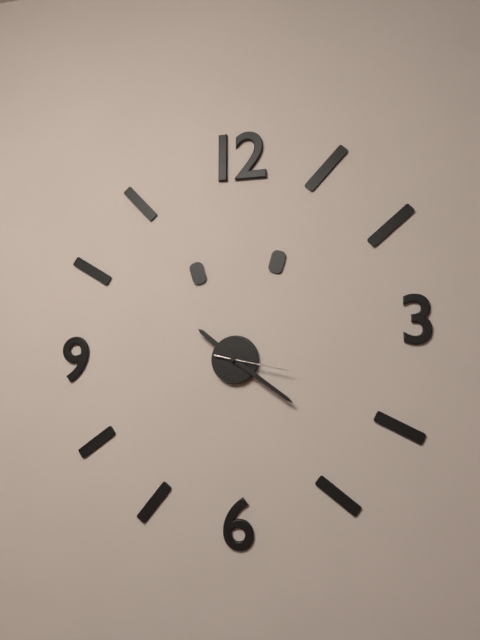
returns 10,21,17
